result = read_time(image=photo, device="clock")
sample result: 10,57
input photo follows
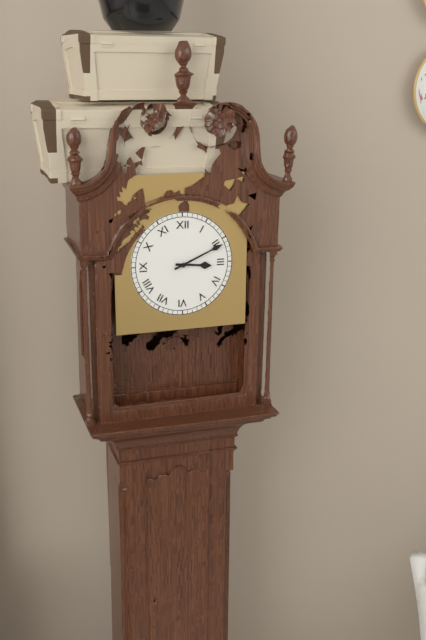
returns 3,11
